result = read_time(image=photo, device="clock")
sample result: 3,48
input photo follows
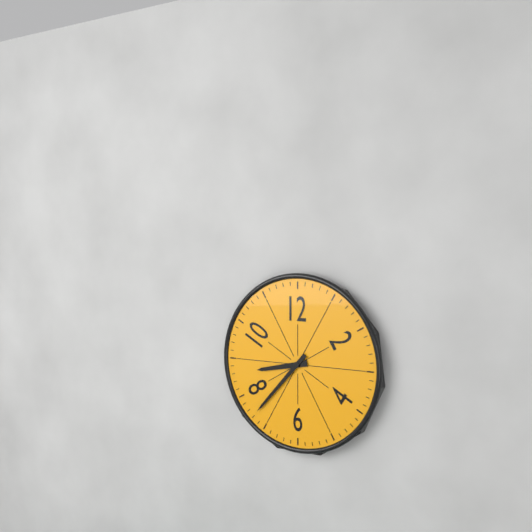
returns 8,37
